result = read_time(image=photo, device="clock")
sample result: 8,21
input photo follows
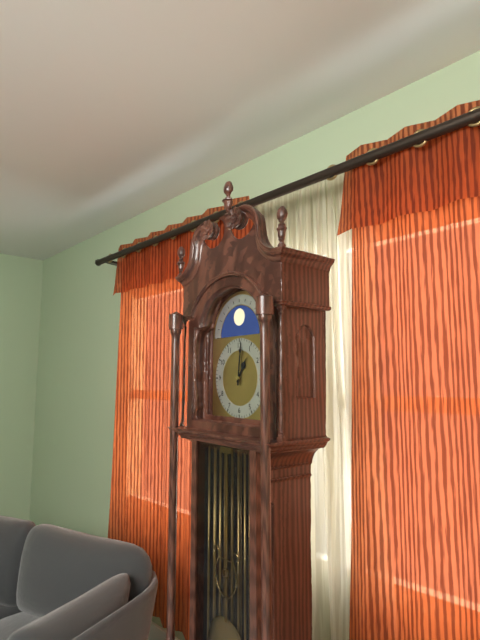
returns 1,01
